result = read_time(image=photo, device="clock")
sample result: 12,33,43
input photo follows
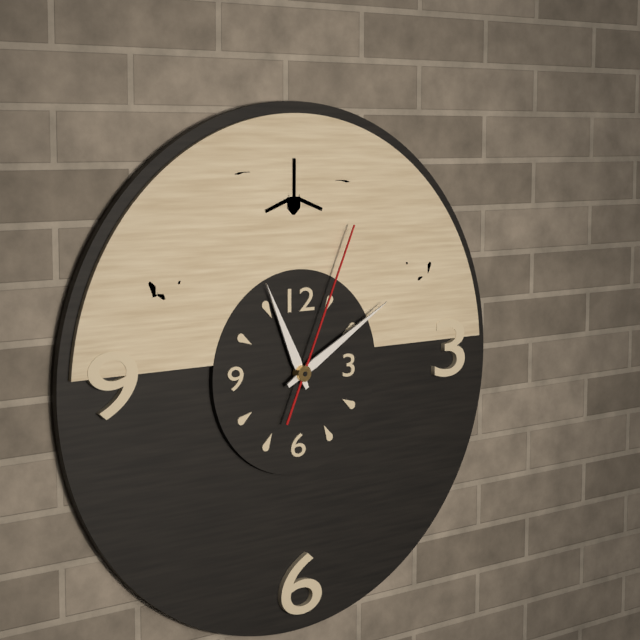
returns 11,10,04
